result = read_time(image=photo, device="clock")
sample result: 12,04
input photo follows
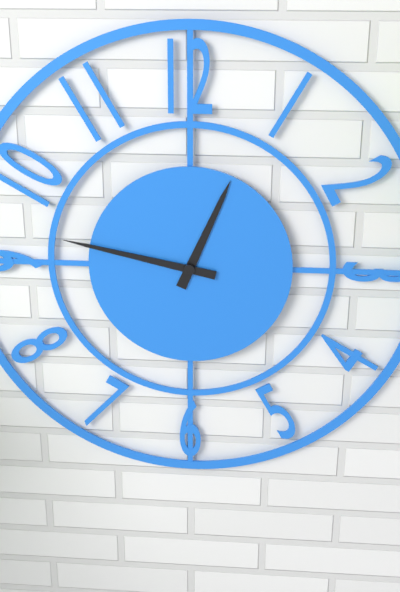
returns 12,47
